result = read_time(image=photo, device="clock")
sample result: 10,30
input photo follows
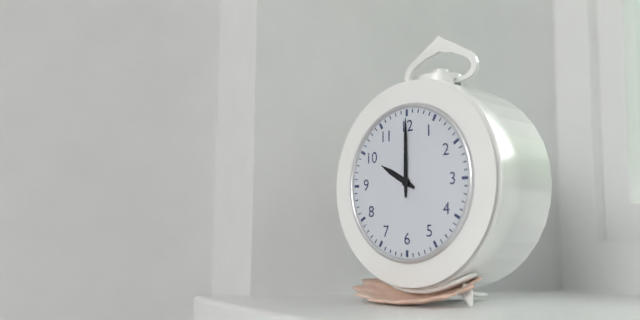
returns 10,00
